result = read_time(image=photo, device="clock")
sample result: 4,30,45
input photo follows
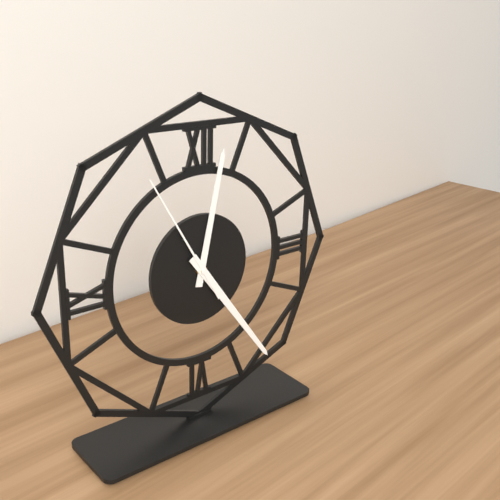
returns 12,24,55
